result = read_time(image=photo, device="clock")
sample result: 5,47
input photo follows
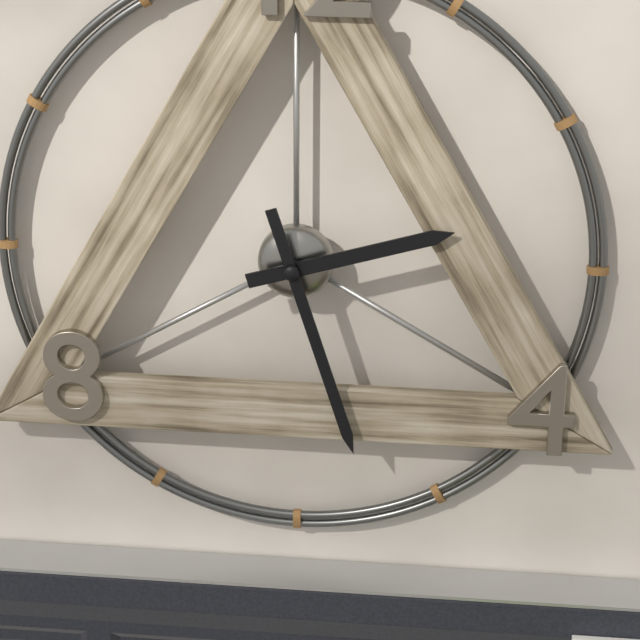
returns 2,27
